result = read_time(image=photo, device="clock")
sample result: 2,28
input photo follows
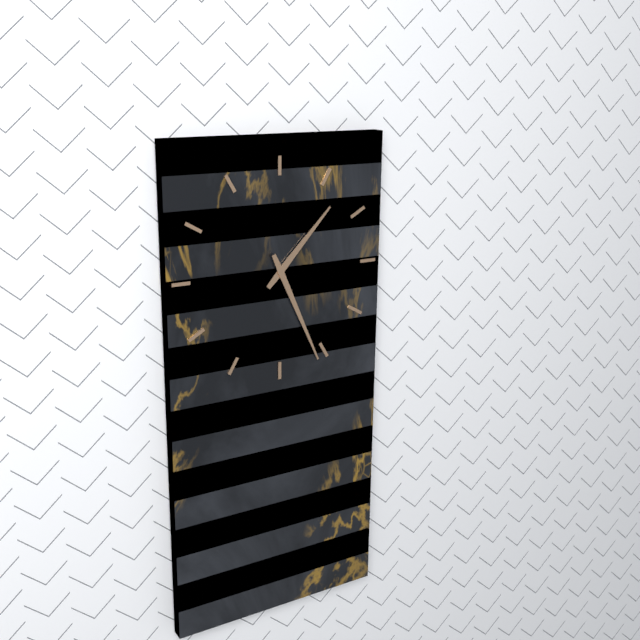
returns 1,26
